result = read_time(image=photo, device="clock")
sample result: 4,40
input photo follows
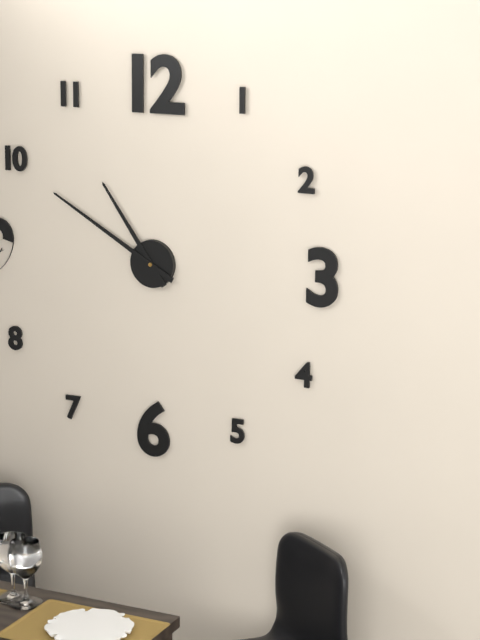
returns 10,50
